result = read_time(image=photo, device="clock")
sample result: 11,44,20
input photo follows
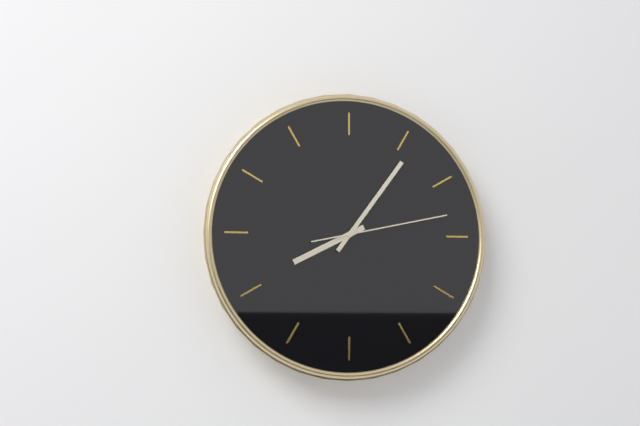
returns 8,06,13
